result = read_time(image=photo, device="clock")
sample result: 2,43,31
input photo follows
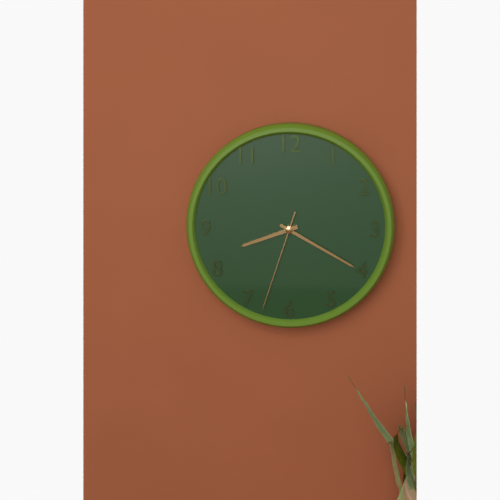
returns 8,20,33
